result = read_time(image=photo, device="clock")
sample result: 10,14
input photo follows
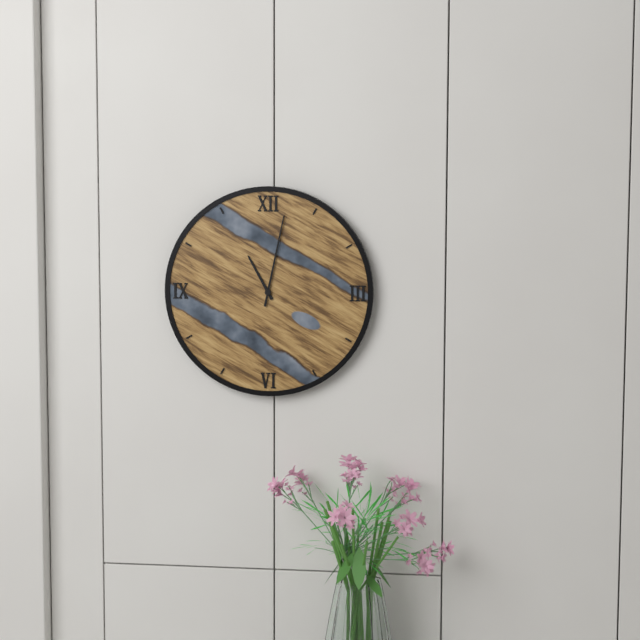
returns 11,02
